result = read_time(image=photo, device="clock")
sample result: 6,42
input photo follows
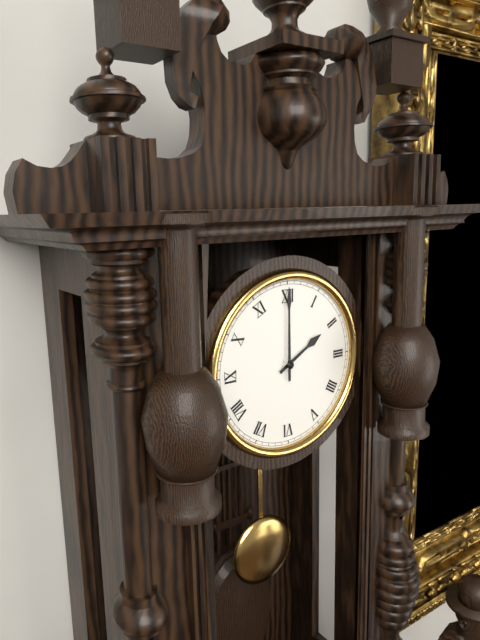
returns 2,00
